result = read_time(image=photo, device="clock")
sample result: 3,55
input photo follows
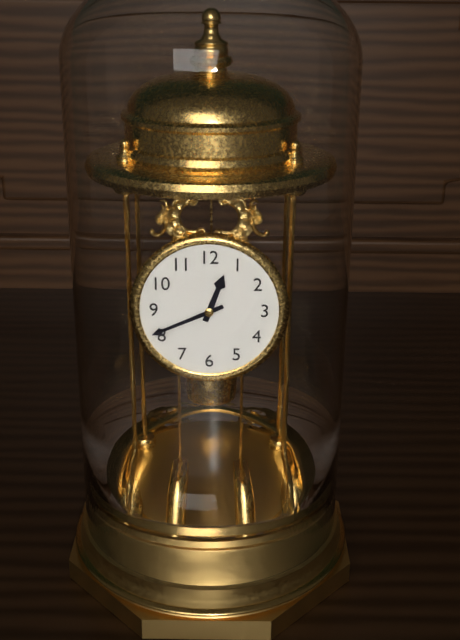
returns 12,41
